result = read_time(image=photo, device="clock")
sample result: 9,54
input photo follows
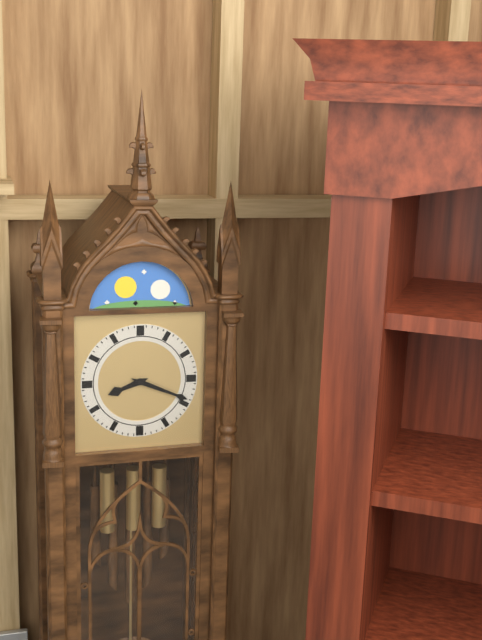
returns 8,19
